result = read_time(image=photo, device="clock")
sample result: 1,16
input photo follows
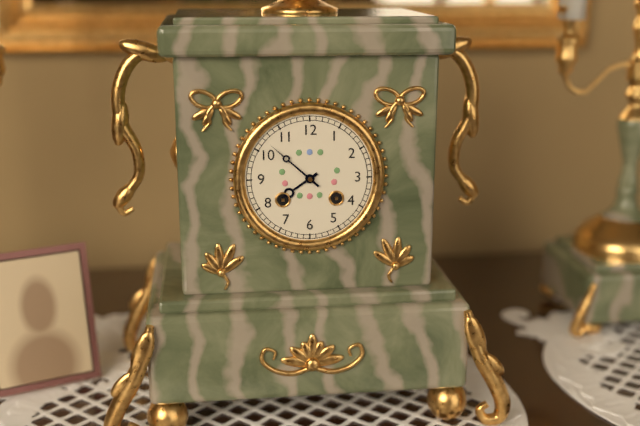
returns 7,52
